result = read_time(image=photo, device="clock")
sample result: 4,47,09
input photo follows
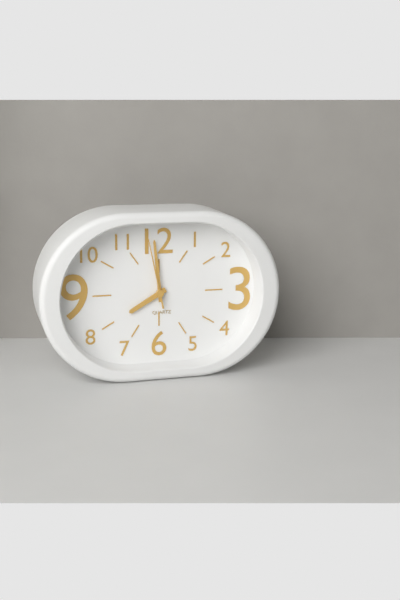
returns 7,59,58
